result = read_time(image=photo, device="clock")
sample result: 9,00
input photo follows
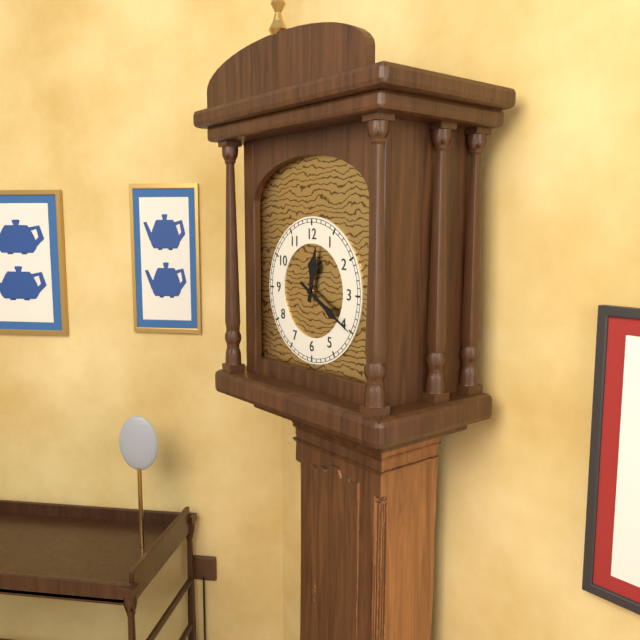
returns 12,20
